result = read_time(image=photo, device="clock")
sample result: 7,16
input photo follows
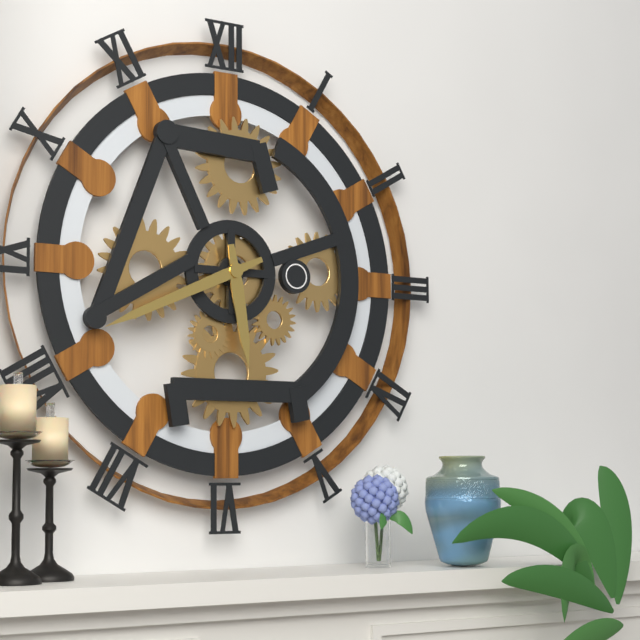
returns 5,41
